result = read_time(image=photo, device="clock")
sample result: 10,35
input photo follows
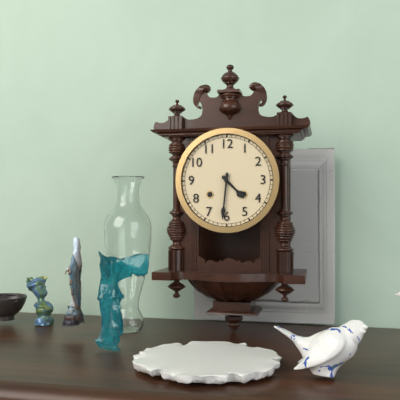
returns 4,31
